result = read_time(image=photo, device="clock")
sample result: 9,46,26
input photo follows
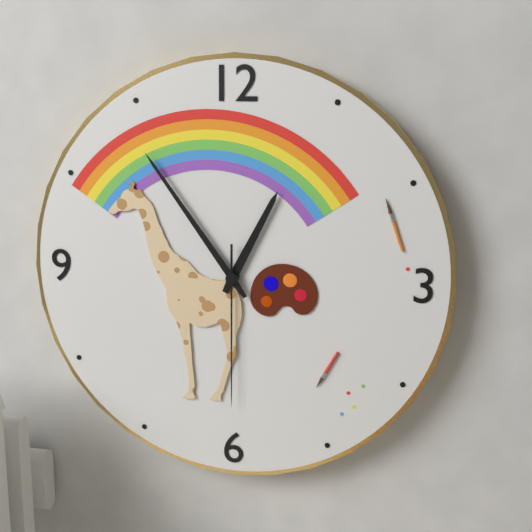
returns 12,54,30
